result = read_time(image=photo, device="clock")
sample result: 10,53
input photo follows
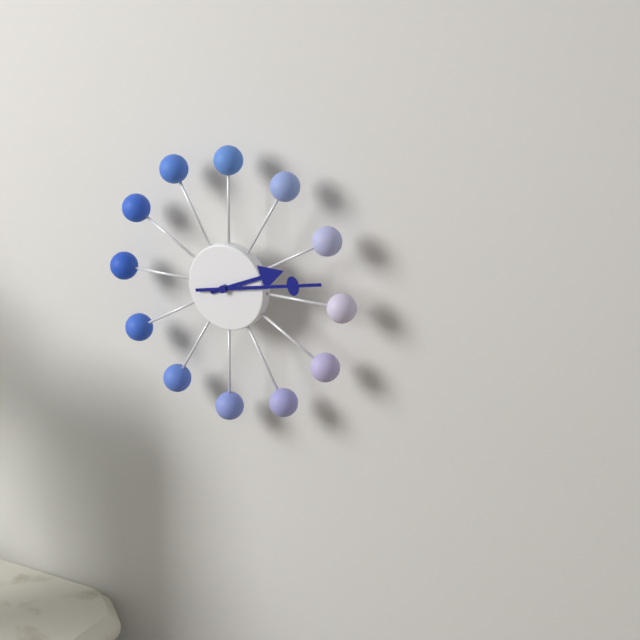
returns 2,13
